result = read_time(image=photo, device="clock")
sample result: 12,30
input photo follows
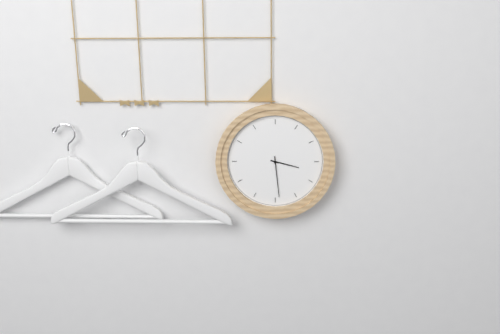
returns 3,29
